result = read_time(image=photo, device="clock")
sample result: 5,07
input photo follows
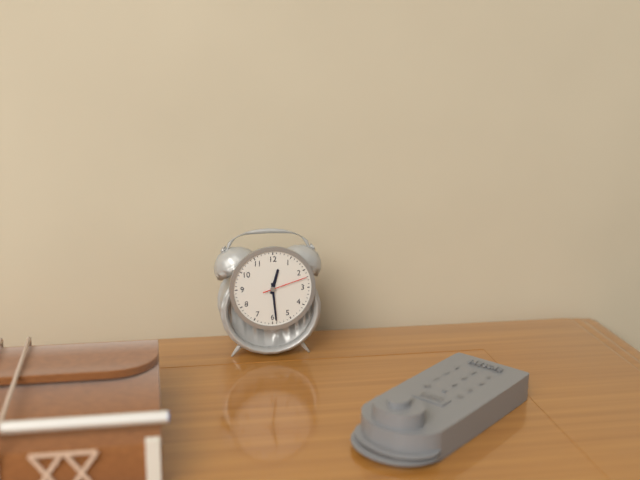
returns 12,29
